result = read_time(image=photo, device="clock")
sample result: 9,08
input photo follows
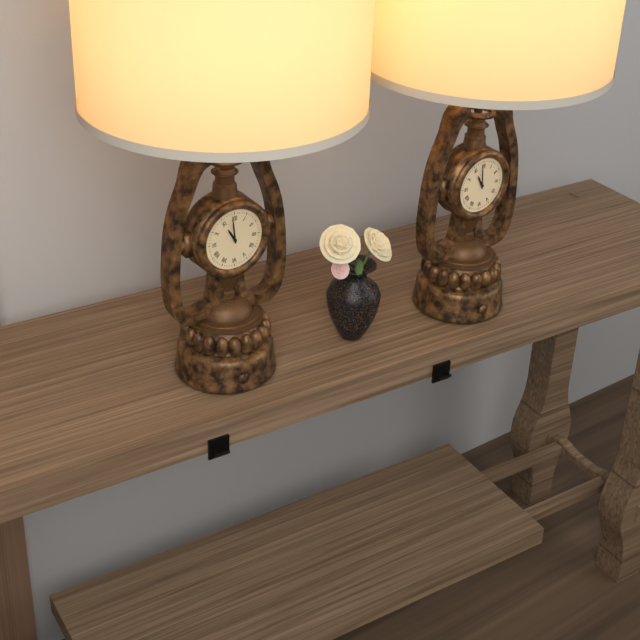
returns 10,59
